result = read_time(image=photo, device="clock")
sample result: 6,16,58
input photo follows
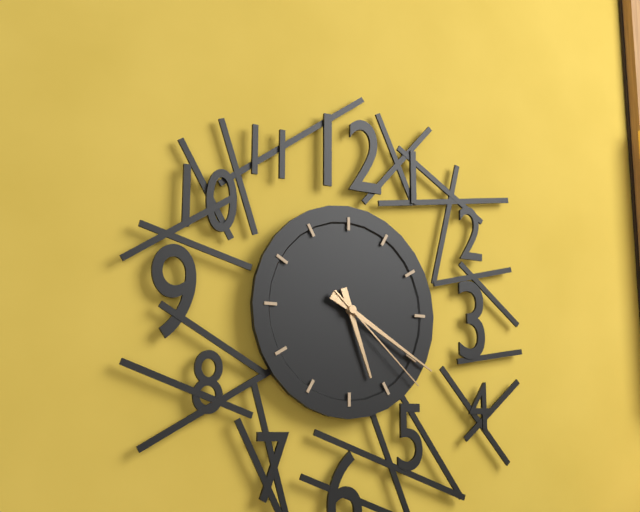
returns 5,20,22
